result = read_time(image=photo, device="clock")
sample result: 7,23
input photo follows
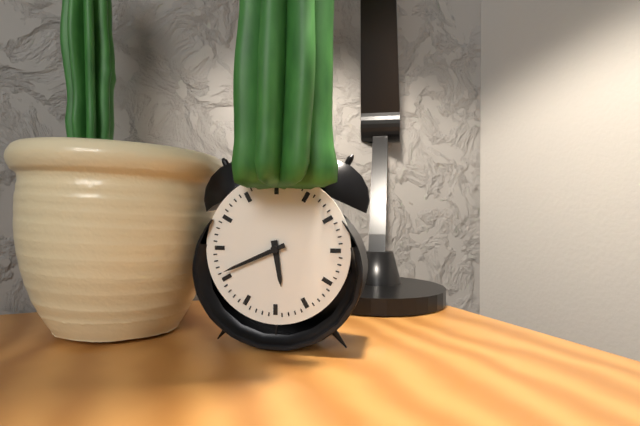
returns 5,41
